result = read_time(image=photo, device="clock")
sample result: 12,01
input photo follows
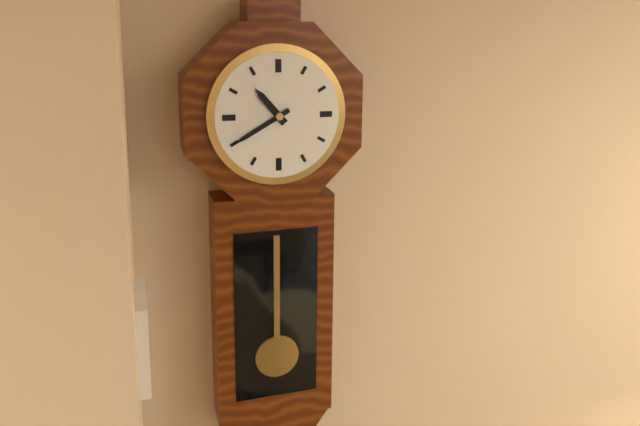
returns 10,40
